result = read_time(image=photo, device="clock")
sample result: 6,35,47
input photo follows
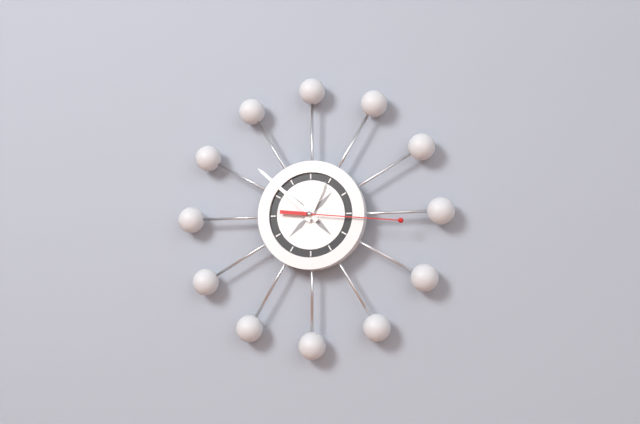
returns 12,52,16
